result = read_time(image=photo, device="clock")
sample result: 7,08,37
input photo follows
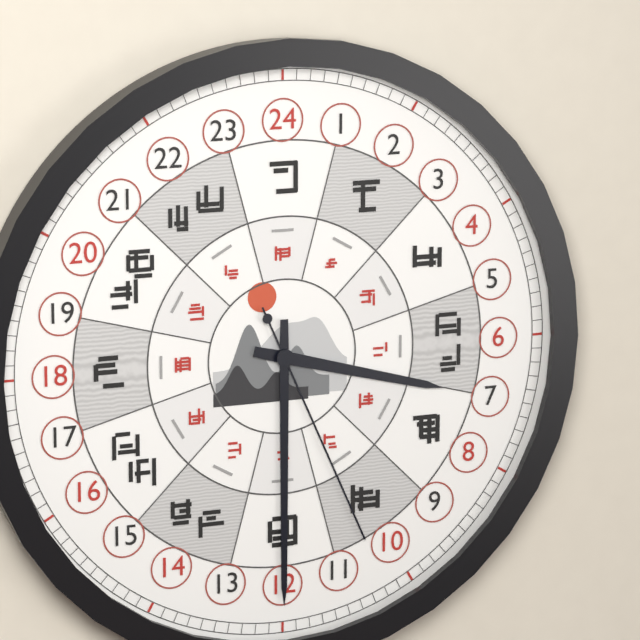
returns 3,30,26
